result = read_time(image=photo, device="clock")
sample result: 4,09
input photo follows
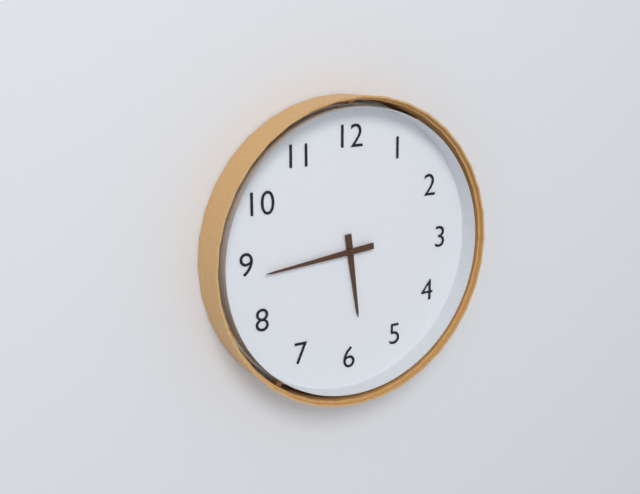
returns 5,44
